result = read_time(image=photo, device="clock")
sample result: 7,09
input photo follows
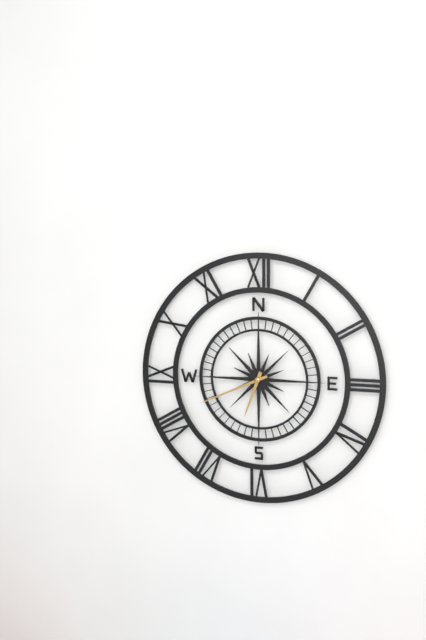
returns 6,41
